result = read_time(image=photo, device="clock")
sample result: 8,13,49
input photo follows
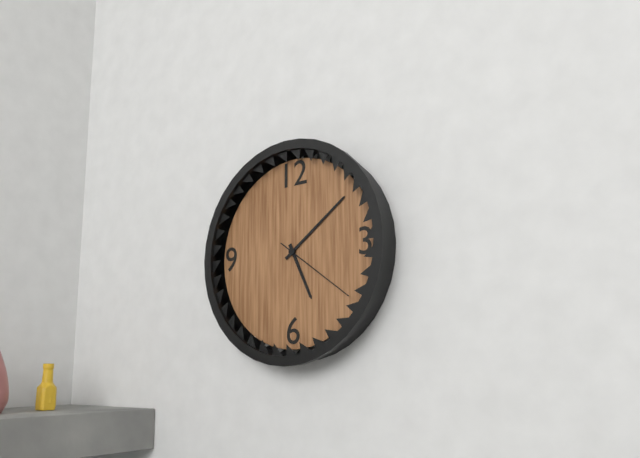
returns 5,09,21
